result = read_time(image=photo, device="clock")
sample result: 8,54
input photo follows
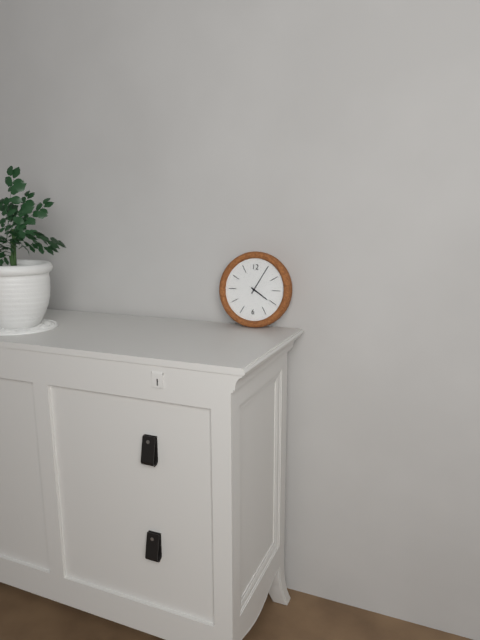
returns 4,05
